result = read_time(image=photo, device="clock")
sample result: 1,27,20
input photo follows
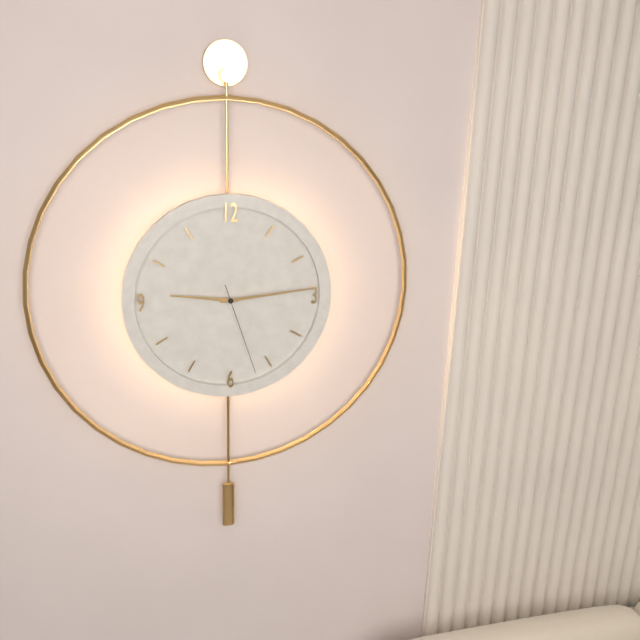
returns 9,14,27
